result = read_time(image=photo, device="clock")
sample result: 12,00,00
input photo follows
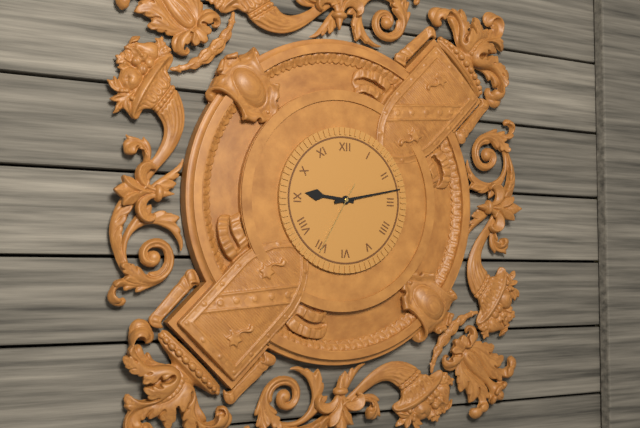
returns 9,13,35
